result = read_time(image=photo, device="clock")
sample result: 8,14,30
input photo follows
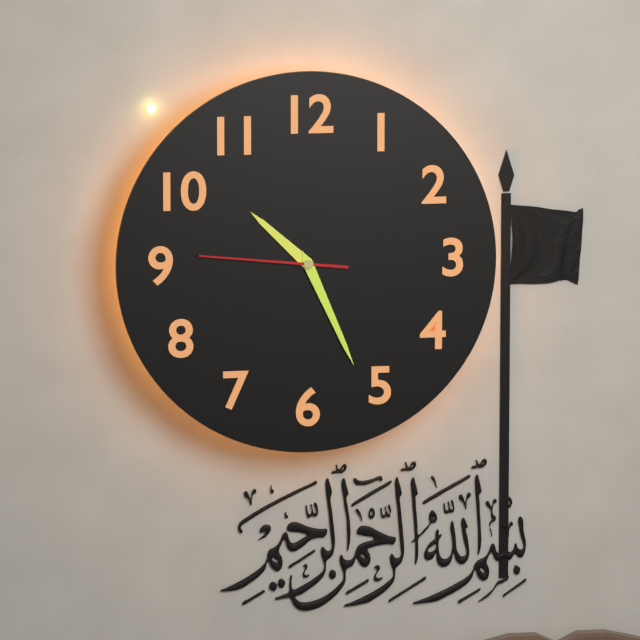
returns 10,26,46
